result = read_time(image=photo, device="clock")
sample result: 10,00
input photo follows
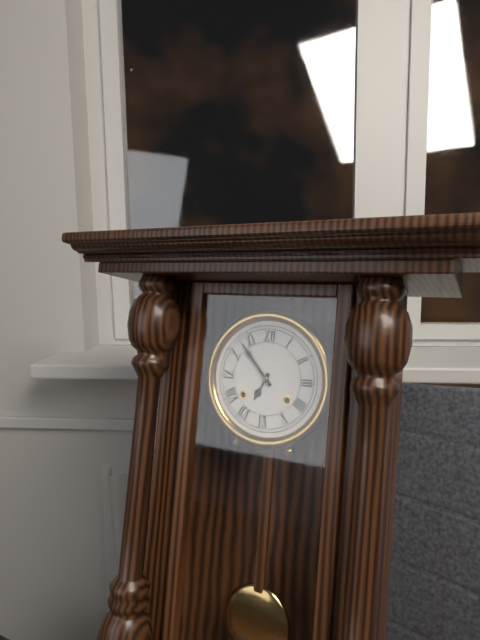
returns 6,53
